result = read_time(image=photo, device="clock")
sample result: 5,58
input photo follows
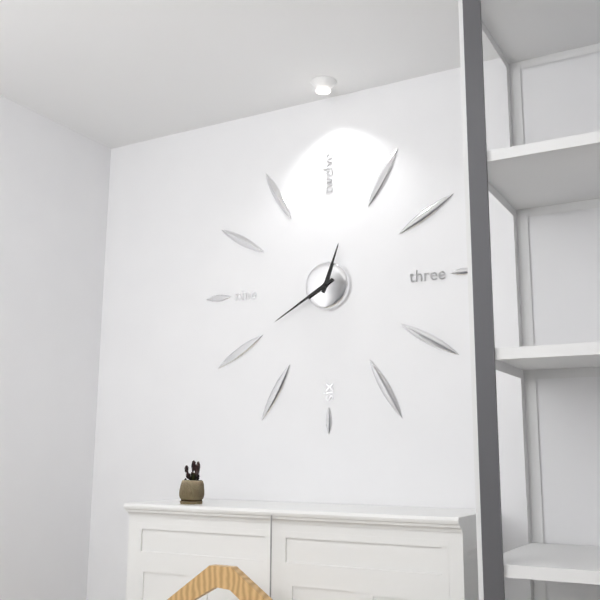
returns 12,40
